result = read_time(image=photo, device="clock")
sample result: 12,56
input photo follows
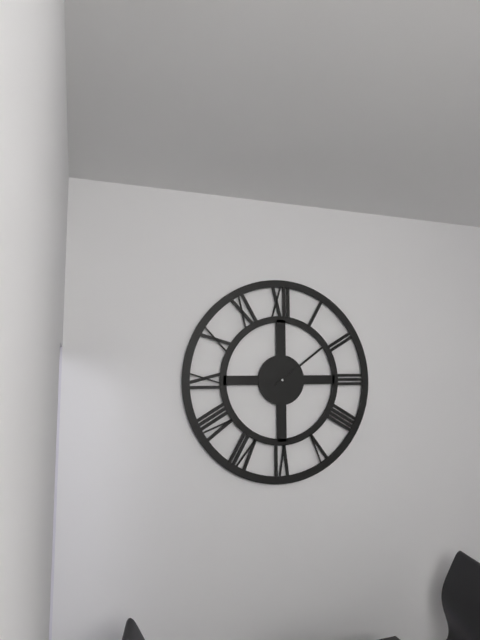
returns 9,09
